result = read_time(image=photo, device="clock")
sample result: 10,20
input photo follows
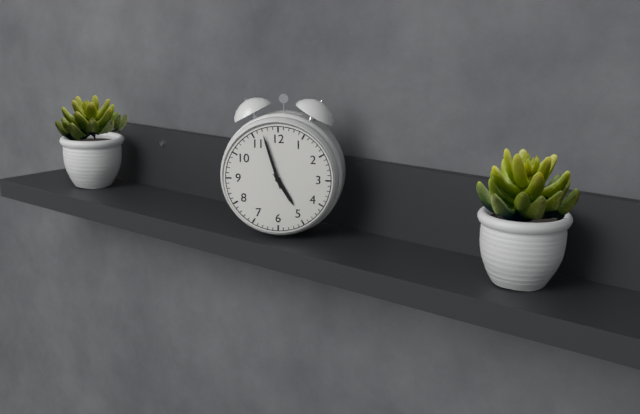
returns 4,57
